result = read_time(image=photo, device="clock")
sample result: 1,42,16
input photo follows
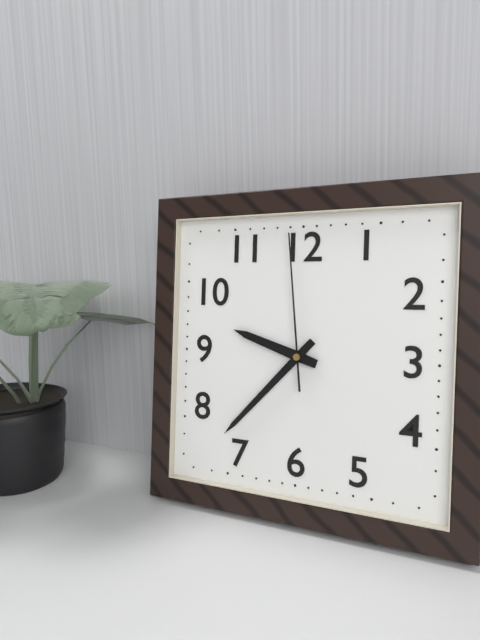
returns 9,37,59
